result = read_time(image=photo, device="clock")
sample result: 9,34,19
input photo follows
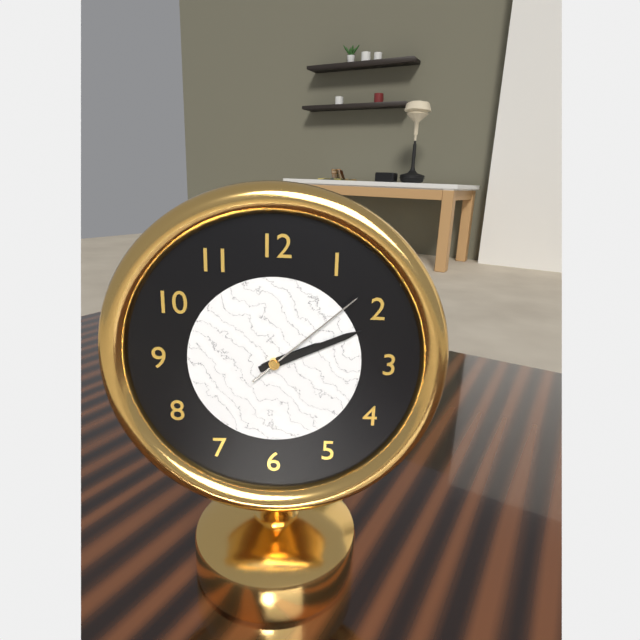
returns 2,11,08
